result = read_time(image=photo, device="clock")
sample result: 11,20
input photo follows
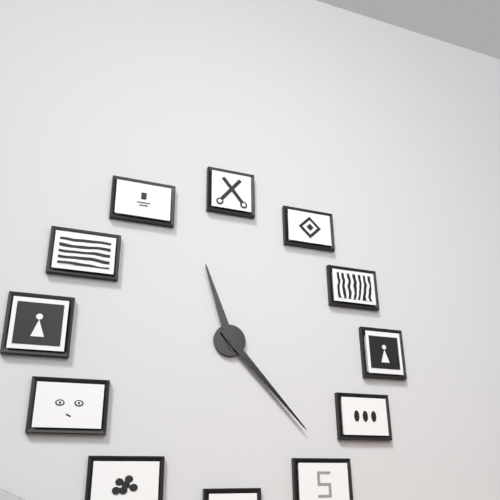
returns 11,23
